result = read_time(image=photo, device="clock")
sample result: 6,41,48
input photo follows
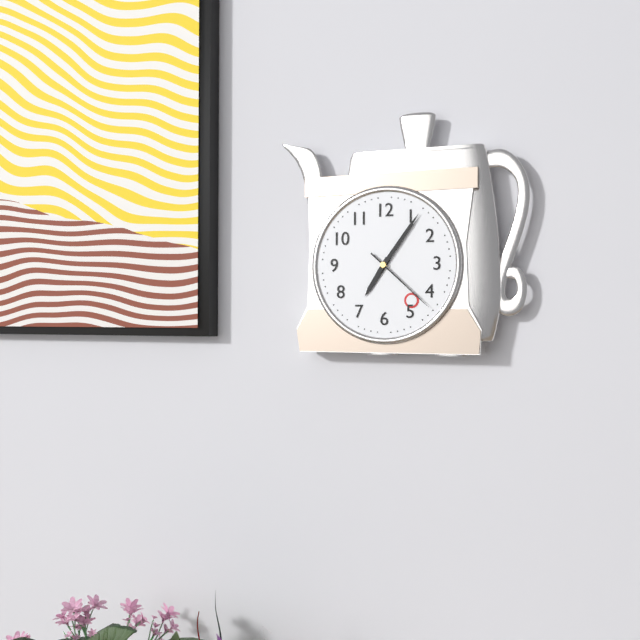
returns 7,06,22
